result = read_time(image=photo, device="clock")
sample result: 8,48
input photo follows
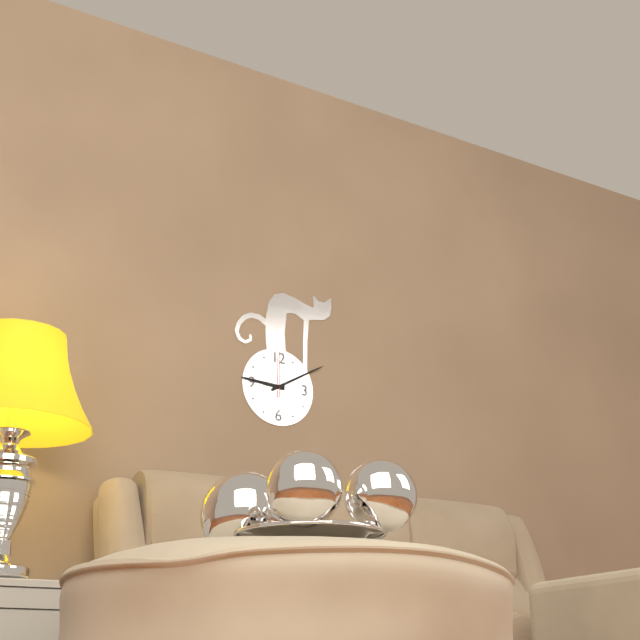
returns 9,10
